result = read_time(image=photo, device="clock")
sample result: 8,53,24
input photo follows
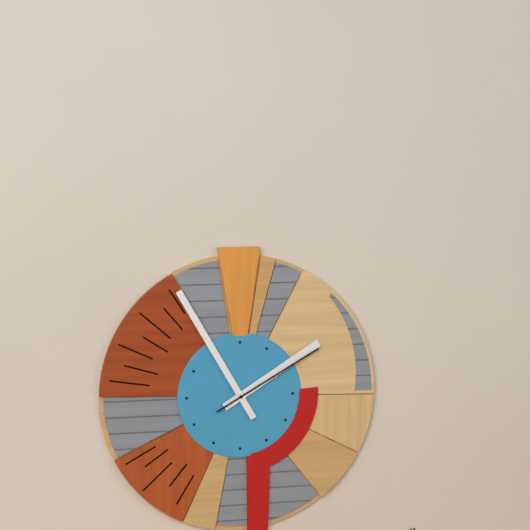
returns 1,55,10
